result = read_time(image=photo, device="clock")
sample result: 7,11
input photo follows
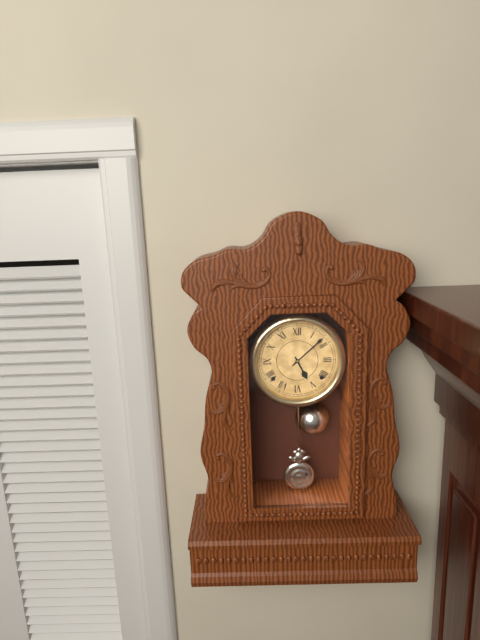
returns 5,08
